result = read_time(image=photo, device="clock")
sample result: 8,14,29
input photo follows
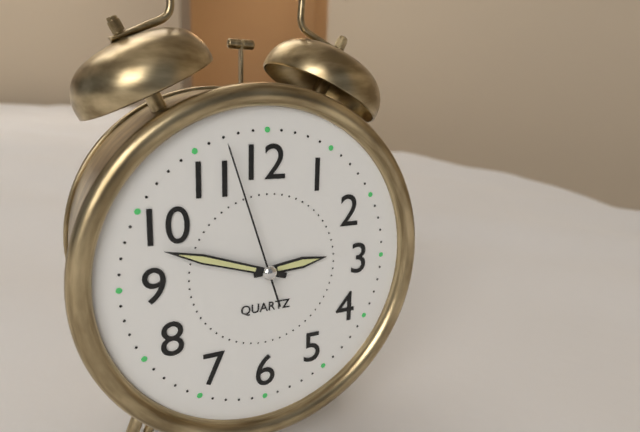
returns 2,48,57
